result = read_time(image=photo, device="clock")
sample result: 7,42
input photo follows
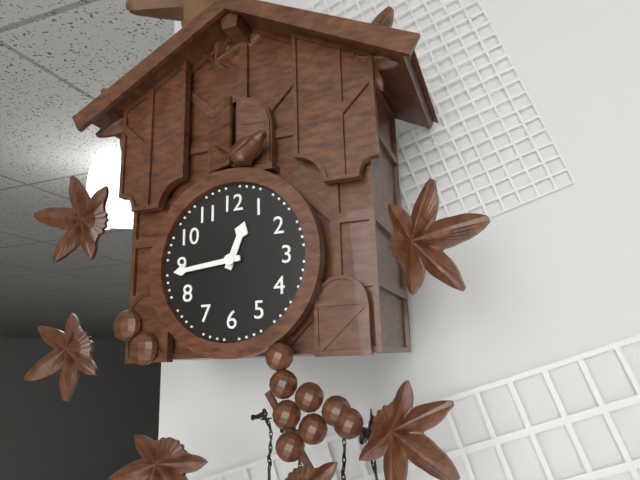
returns 12,44
